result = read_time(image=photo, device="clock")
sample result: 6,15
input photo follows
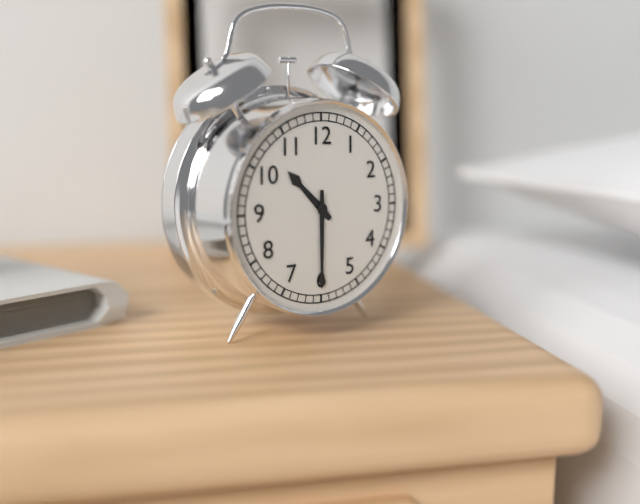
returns 10,30
